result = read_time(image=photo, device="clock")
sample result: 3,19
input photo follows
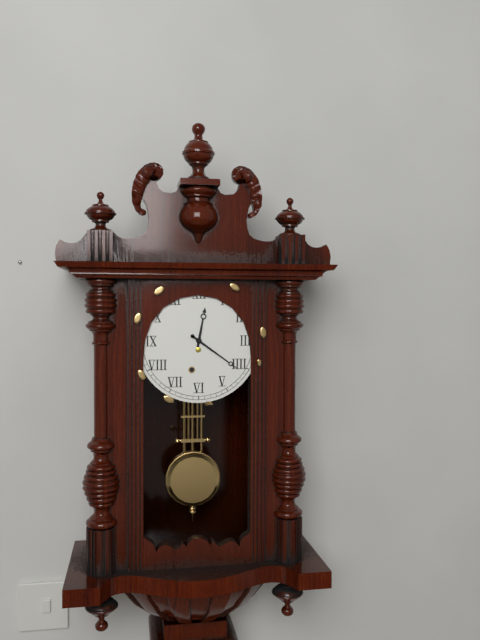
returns 12,21
